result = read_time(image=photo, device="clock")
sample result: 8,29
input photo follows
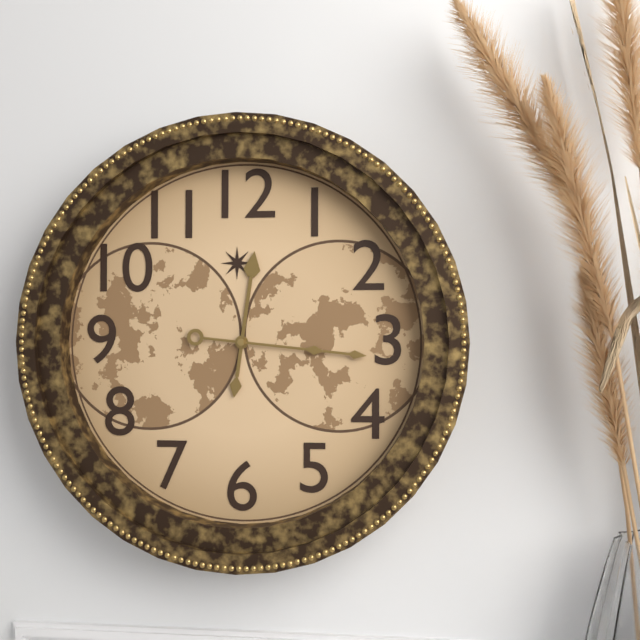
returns 12,16
